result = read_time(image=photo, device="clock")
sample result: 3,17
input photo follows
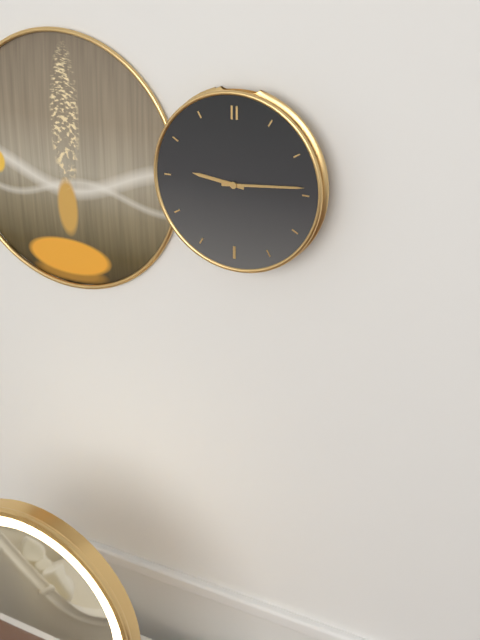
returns 9,14
